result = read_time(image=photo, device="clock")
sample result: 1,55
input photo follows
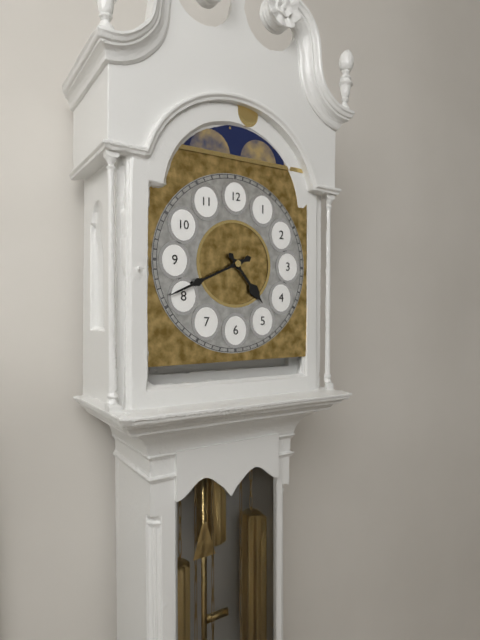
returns 4,41
